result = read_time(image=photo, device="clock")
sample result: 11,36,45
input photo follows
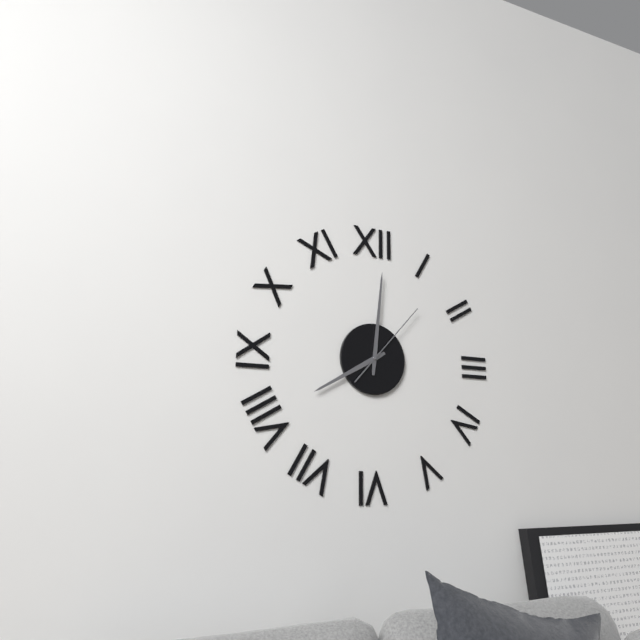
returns 8,01,07
